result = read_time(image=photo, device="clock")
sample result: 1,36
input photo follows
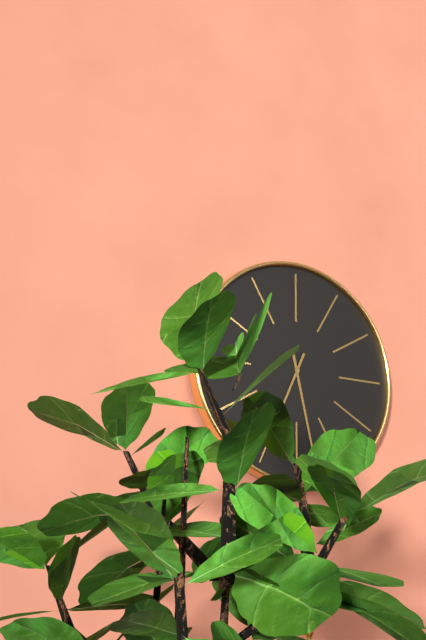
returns 5,34
